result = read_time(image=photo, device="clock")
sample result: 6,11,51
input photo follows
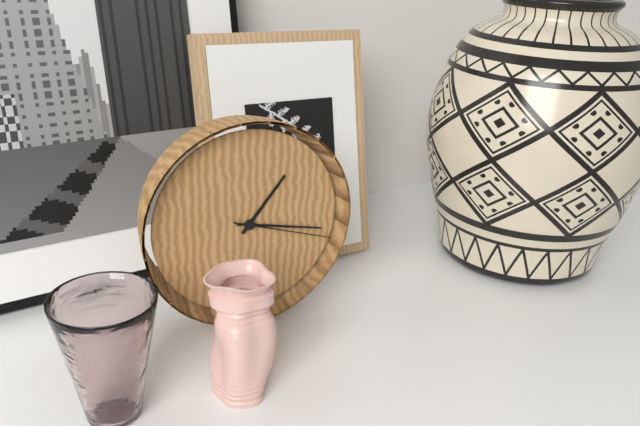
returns 1,17,18
